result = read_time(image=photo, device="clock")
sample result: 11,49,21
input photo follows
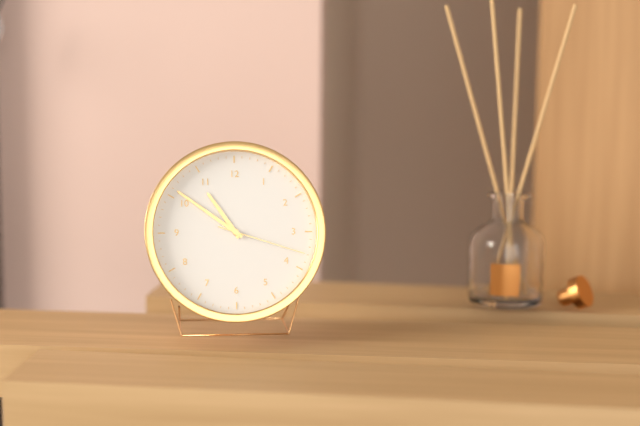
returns 10,51,18
